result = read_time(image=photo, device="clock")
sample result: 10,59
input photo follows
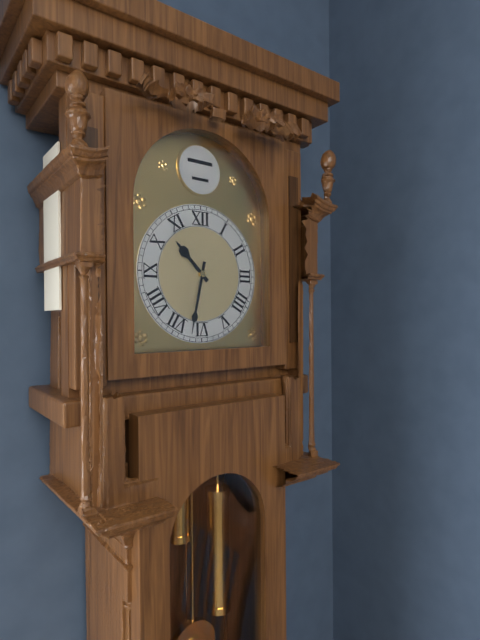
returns 10,32
